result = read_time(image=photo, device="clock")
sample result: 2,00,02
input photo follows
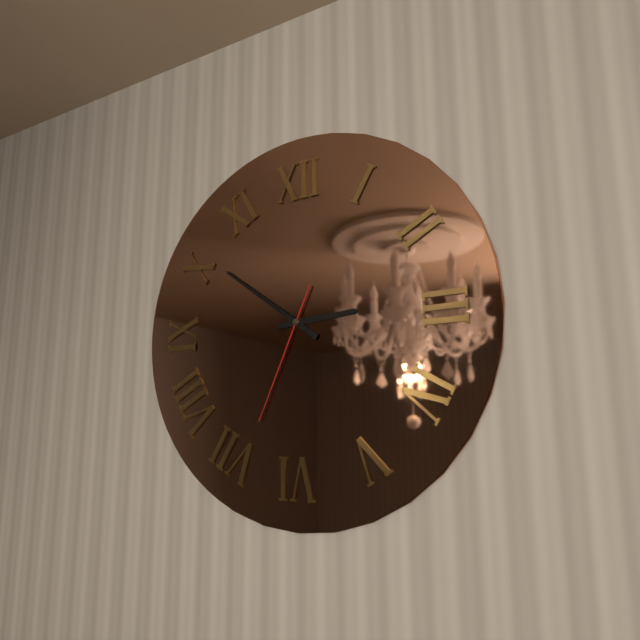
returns 2,51,34
